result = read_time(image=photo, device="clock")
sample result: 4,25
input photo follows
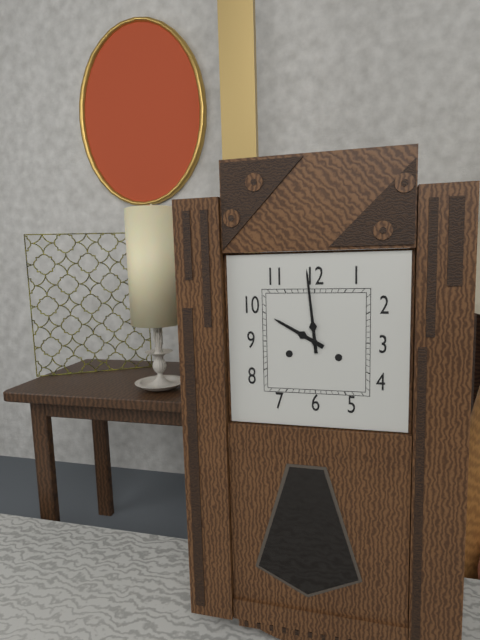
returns 9,59
